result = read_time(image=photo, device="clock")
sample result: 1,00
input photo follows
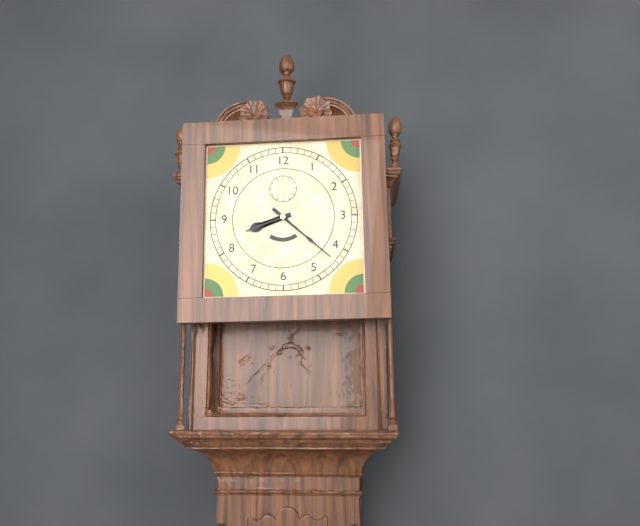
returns 8,22
